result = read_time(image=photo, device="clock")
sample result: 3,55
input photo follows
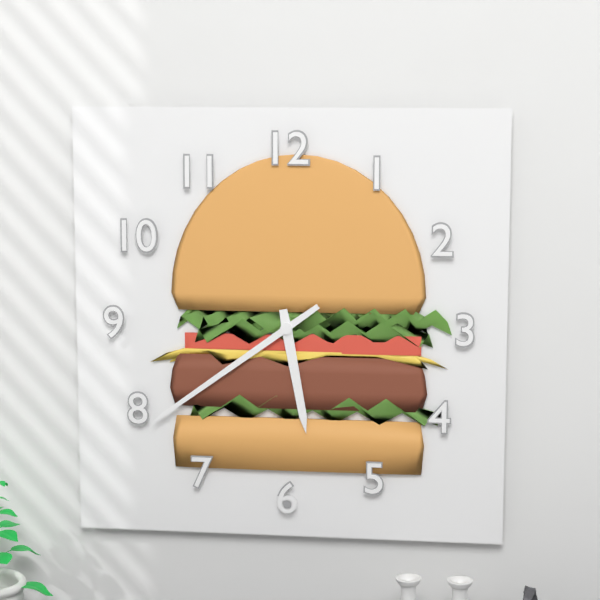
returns 5,39
